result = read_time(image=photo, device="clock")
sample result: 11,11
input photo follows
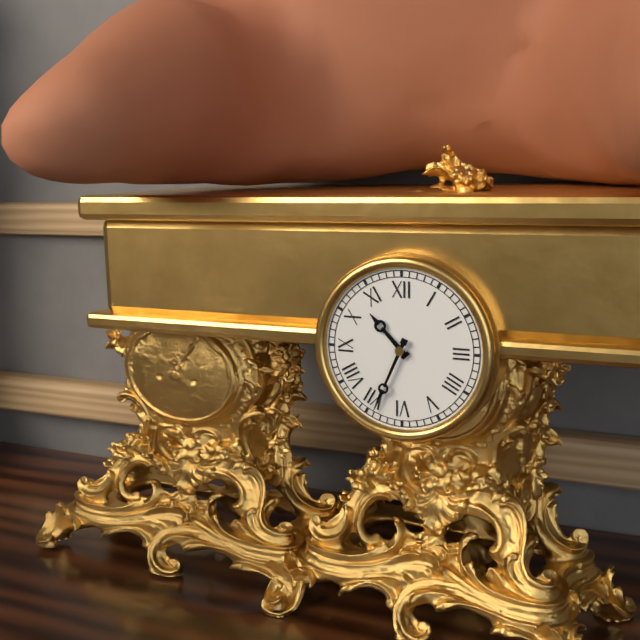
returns 10,34
